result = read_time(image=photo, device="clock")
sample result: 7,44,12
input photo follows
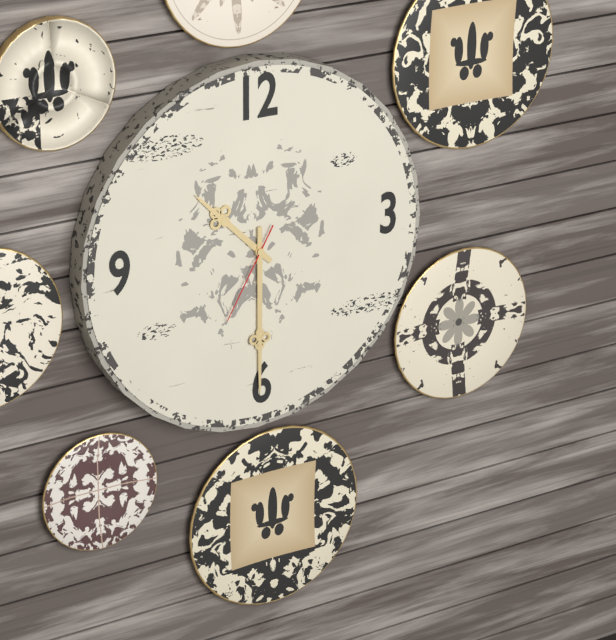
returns 10,30,35
